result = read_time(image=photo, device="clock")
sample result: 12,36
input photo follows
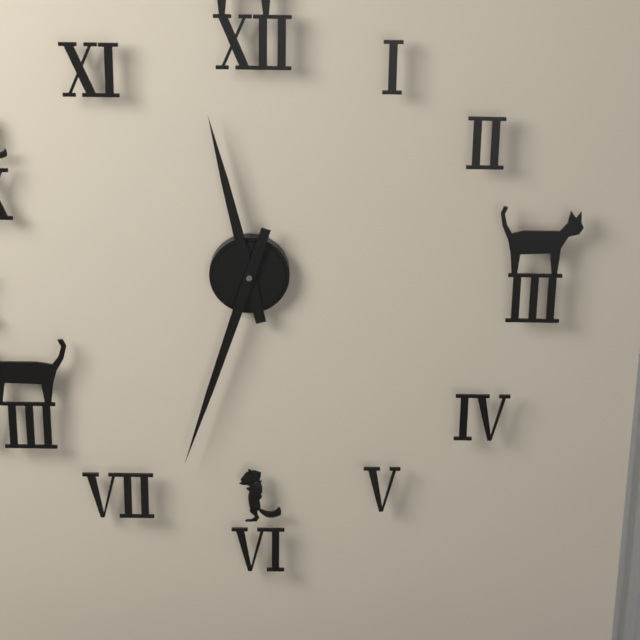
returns 11,33
